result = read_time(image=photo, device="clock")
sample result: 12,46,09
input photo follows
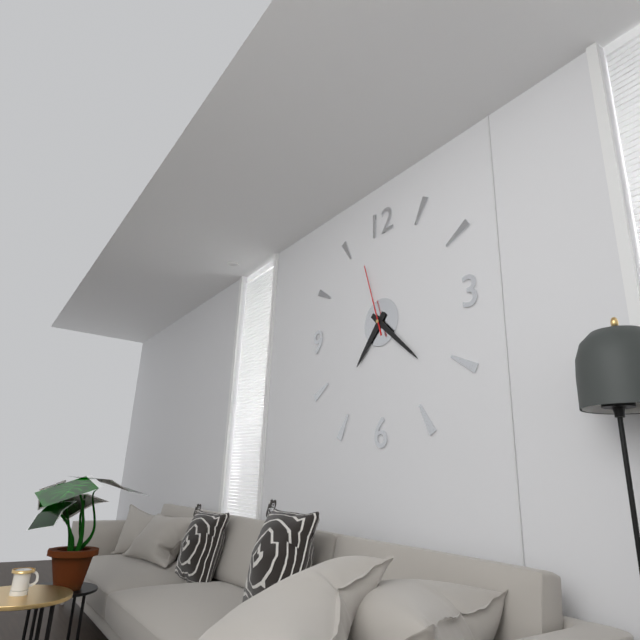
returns 7,22,57
